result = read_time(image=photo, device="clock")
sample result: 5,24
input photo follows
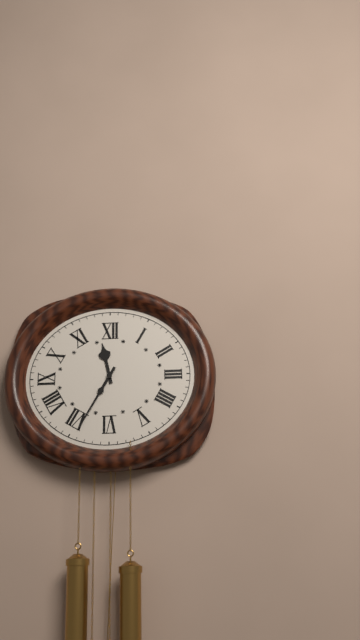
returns 11,35
